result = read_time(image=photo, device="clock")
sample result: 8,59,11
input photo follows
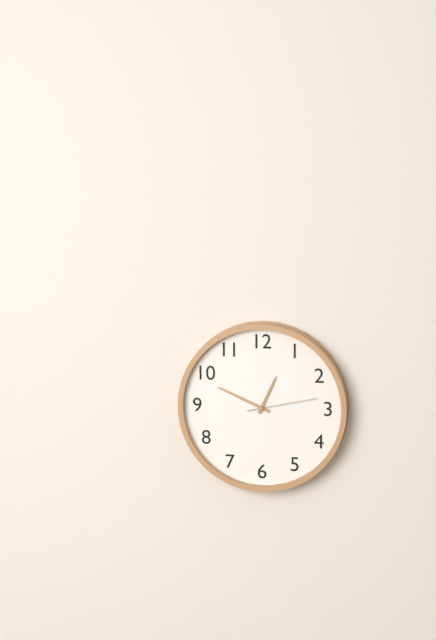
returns 12,49,13
